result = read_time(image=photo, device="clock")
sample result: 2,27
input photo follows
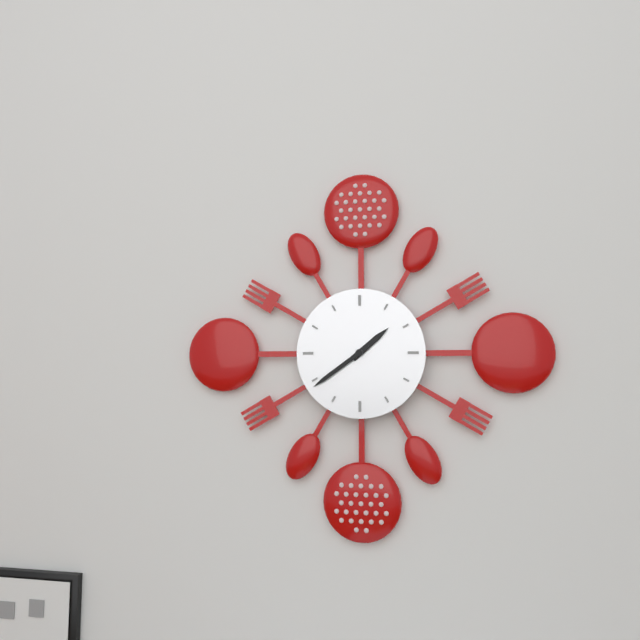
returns 1,39
